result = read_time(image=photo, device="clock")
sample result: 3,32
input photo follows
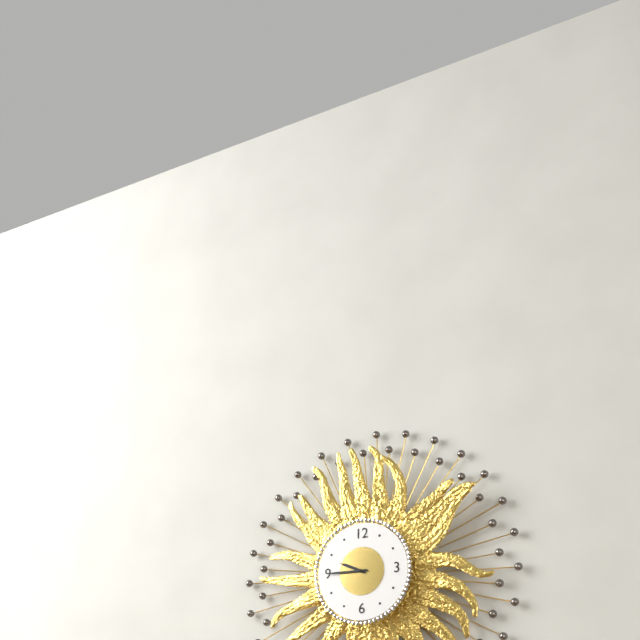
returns 9,45
